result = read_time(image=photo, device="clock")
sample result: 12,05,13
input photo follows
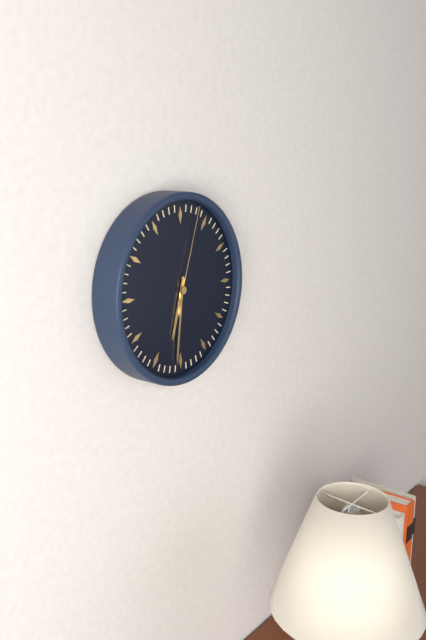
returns 6,31,03
